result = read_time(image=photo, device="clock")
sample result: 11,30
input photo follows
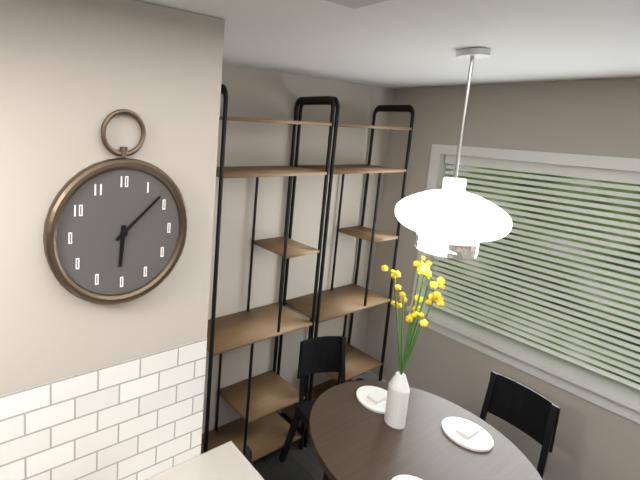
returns 6,08
